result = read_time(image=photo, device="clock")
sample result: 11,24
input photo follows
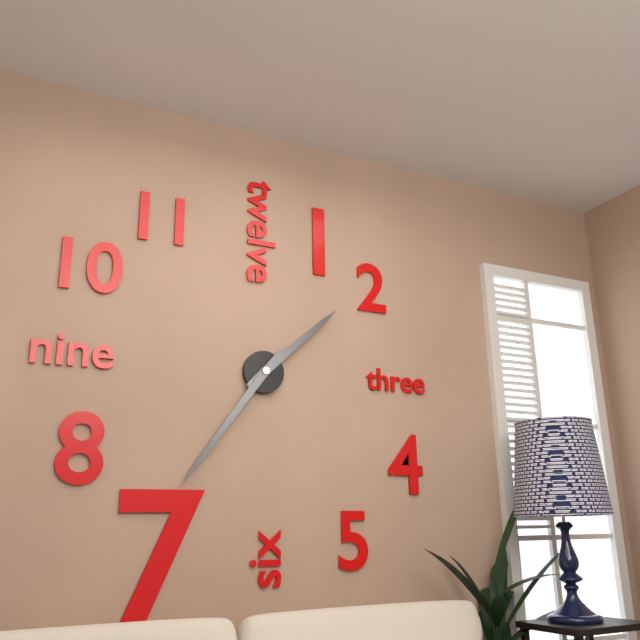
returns 1,36
